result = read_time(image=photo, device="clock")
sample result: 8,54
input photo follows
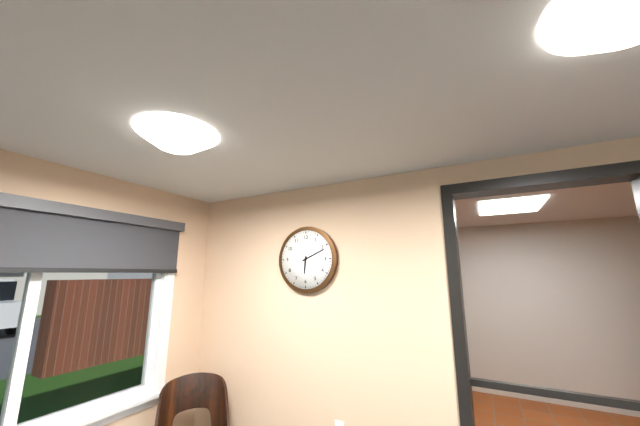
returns 6,11
